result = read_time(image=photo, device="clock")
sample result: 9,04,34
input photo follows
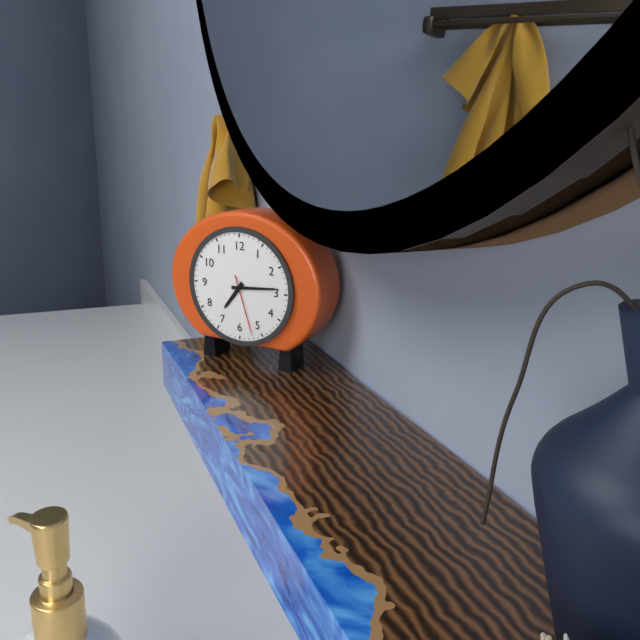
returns 7,14,27
